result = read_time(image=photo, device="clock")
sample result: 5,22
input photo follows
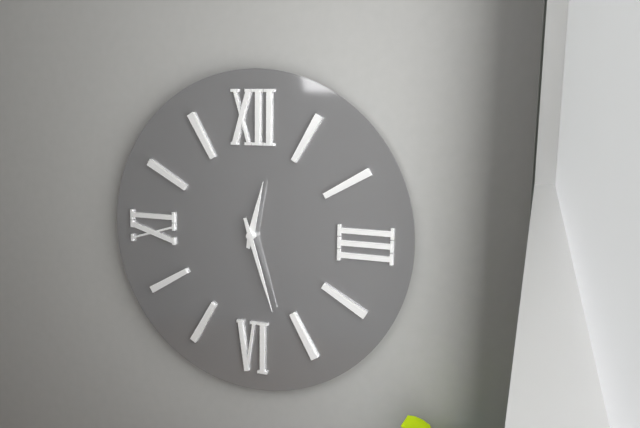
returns 12,27
